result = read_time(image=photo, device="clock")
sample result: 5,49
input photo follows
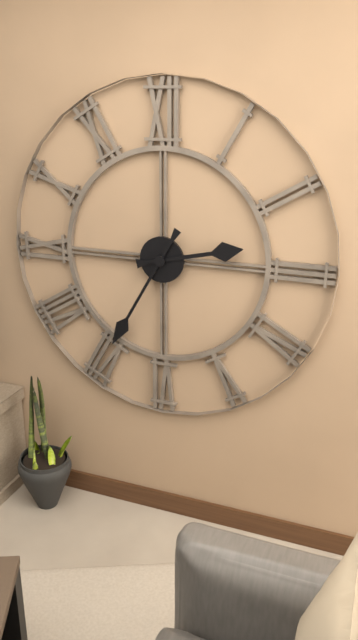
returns 2,35
